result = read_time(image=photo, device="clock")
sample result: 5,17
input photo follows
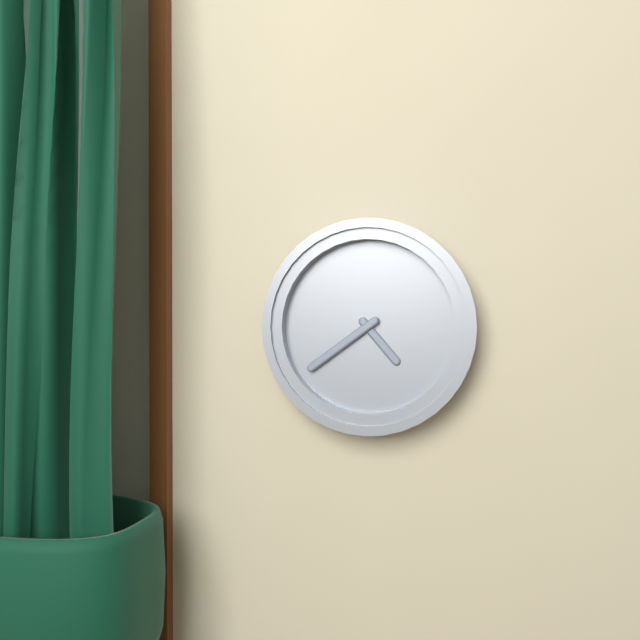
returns 4,39
